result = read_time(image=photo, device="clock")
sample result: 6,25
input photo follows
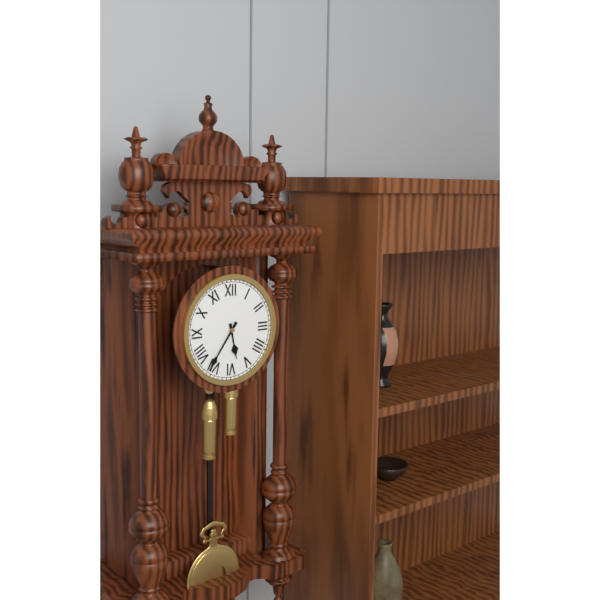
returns 5,36
